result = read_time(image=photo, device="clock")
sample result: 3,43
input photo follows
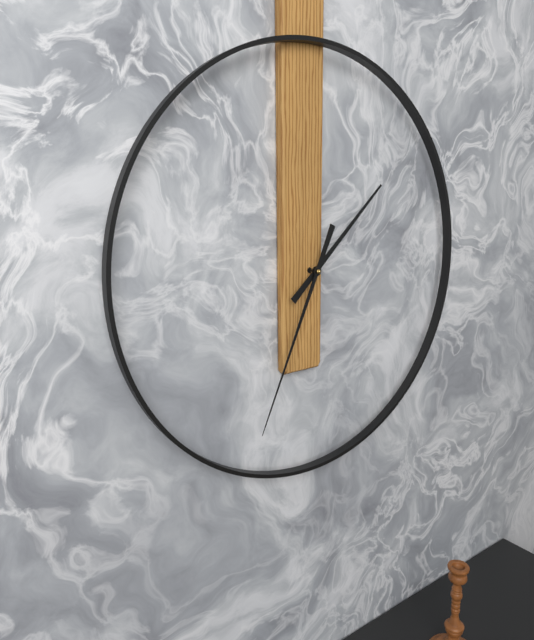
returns 1,34
